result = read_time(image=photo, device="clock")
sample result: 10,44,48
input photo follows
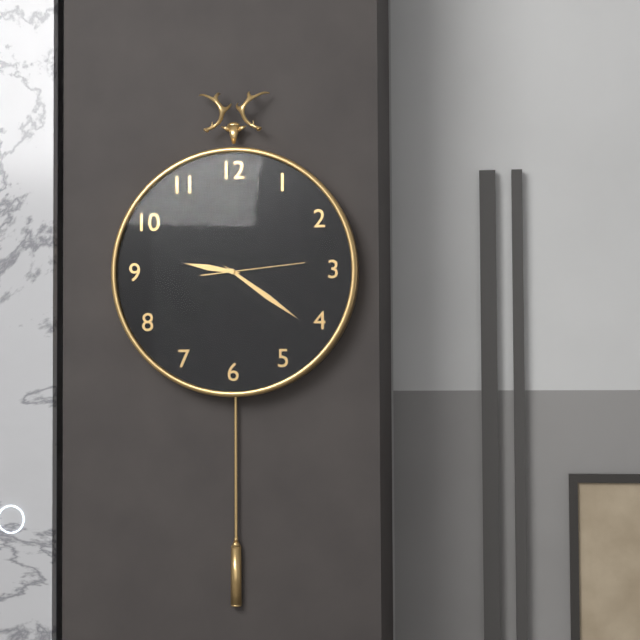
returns 9,21,14
